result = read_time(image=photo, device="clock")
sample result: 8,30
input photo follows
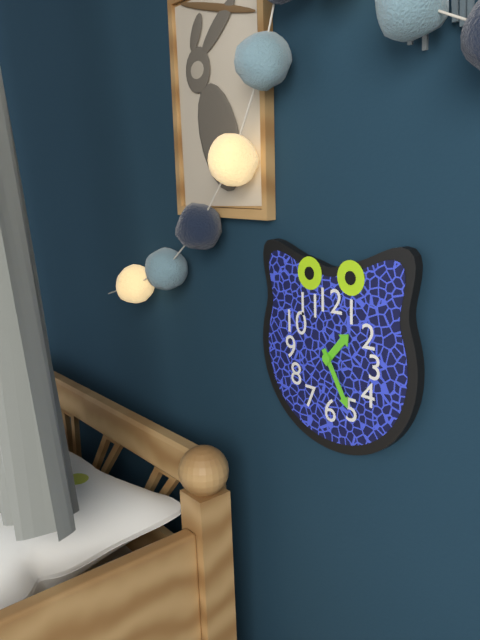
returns 1,25
